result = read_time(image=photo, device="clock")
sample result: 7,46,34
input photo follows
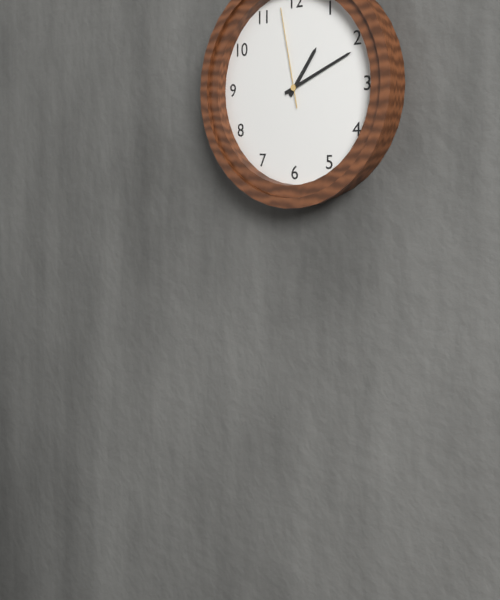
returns 1,11,58
